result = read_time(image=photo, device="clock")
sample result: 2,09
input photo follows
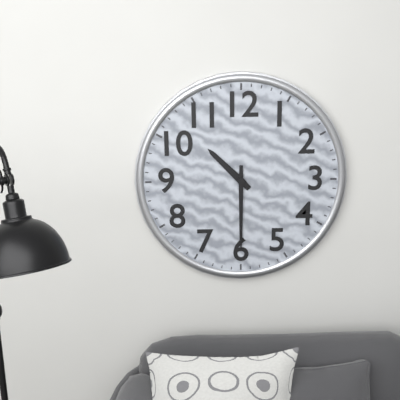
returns 10,30
